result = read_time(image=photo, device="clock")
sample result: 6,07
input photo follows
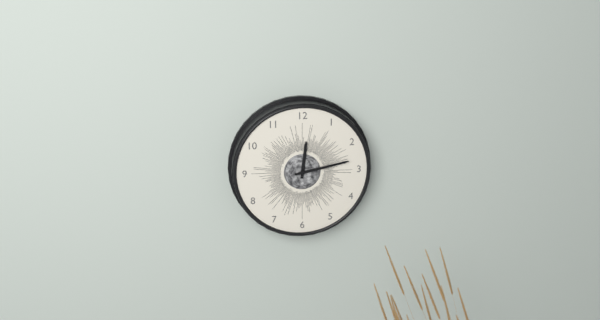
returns 12,13
